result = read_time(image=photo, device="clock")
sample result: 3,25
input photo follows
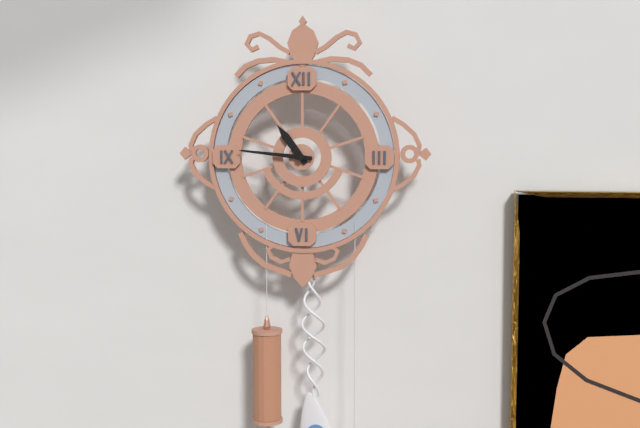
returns 10,46
